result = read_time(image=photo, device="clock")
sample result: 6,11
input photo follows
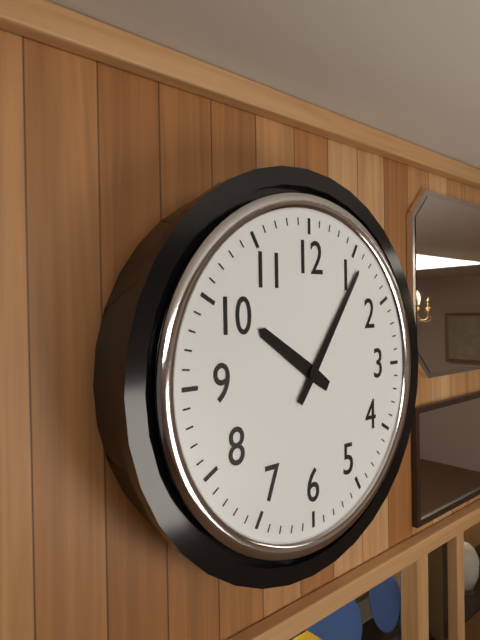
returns 10,06
